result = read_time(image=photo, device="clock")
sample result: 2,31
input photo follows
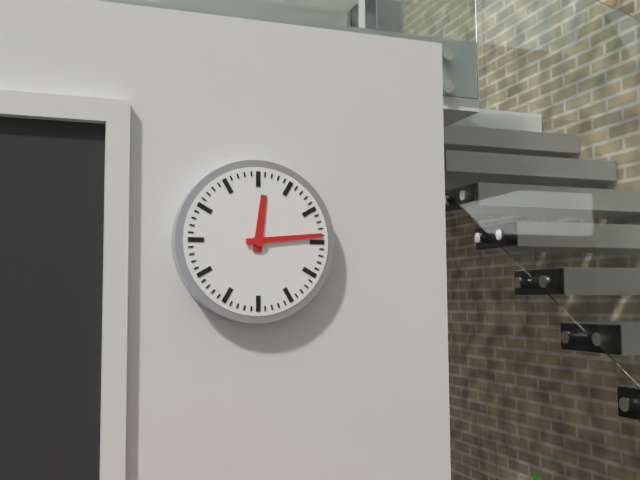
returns 12,14
